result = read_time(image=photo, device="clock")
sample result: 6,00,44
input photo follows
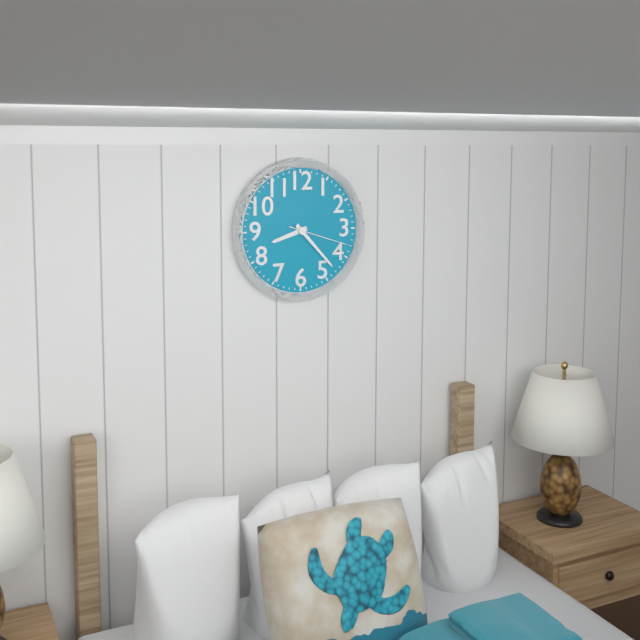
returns 8,23,18
